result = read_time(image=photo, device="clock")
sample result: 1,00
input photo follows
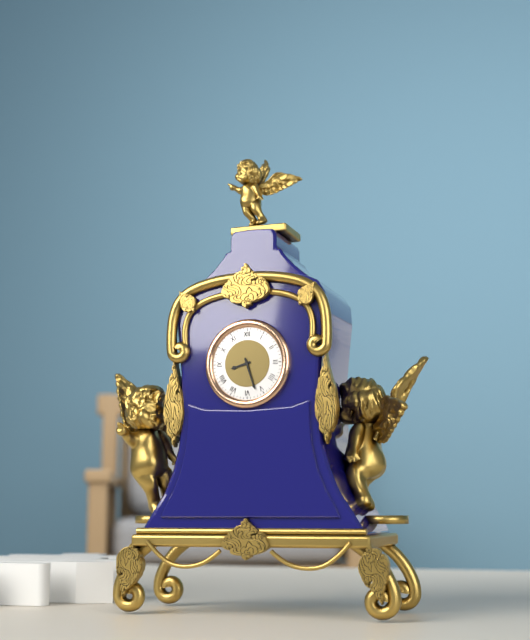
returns 8,27
